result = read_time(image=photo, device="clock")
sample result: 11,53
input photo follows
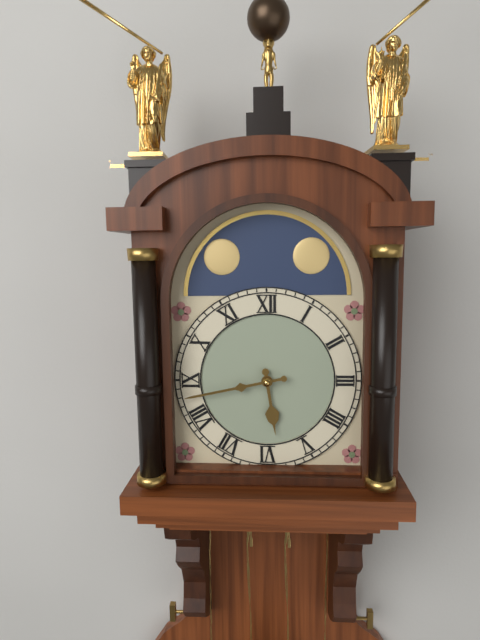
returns 5,43
